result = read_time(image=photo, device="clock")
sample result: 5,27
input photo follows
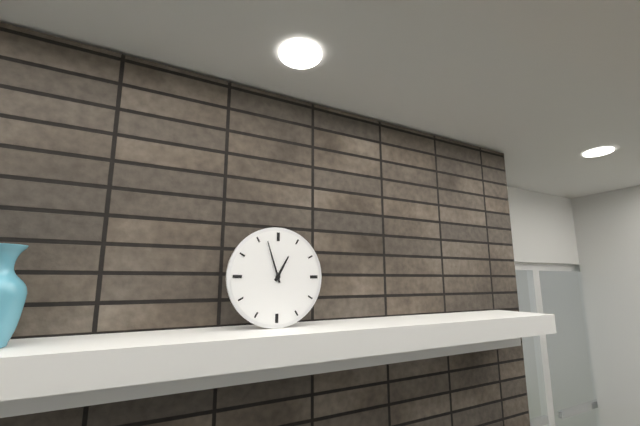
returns 12,57
